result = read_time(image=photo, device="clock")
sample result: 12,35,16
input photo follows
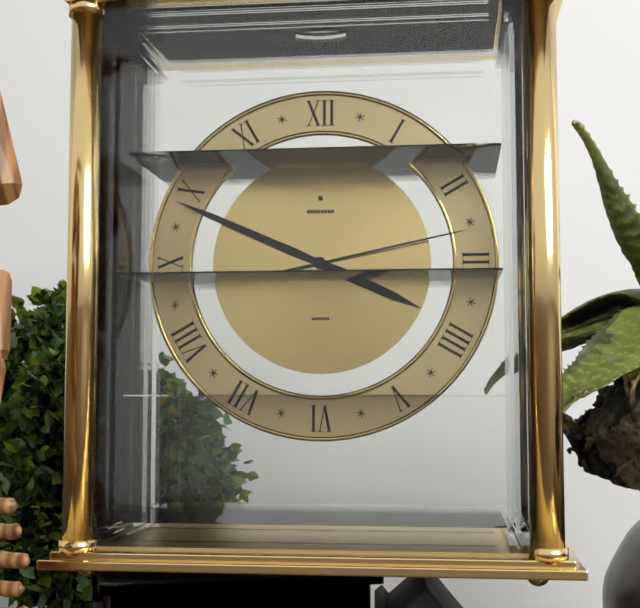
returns 3,49,13
